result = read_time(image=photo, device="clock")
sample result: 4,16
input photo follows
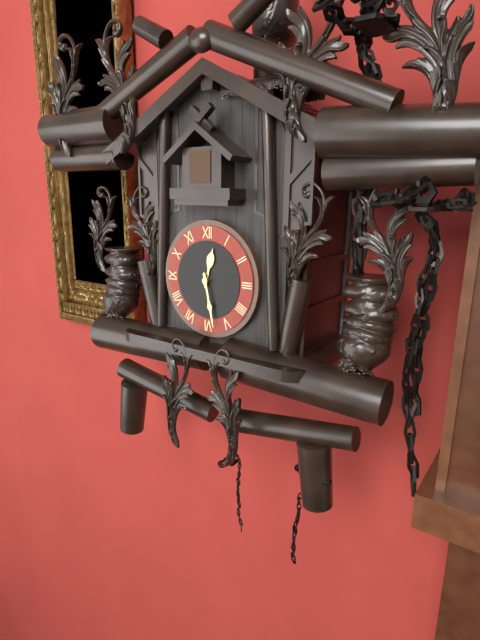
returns 12,28
